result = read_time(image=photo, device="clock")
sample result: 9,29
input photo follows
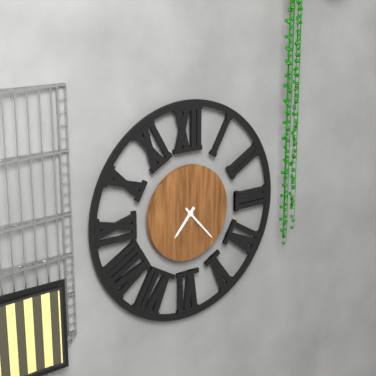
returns 7,23
